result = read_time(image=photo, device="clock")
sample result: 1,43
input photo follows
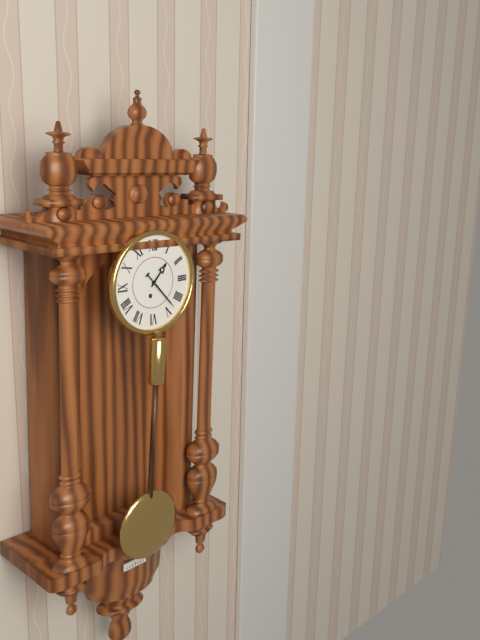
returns 1,23
